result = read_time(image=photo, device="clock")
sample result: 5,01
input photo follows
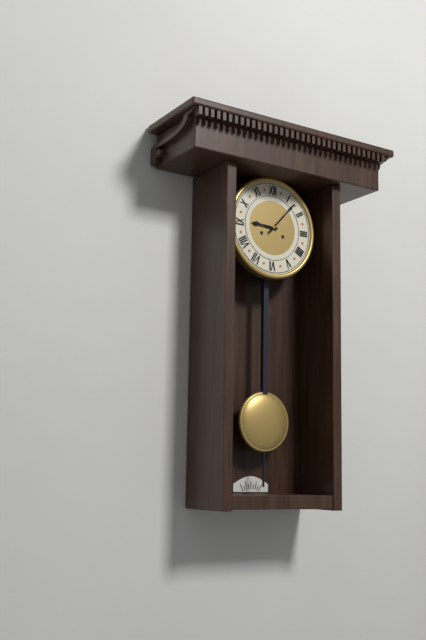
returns 9,07
